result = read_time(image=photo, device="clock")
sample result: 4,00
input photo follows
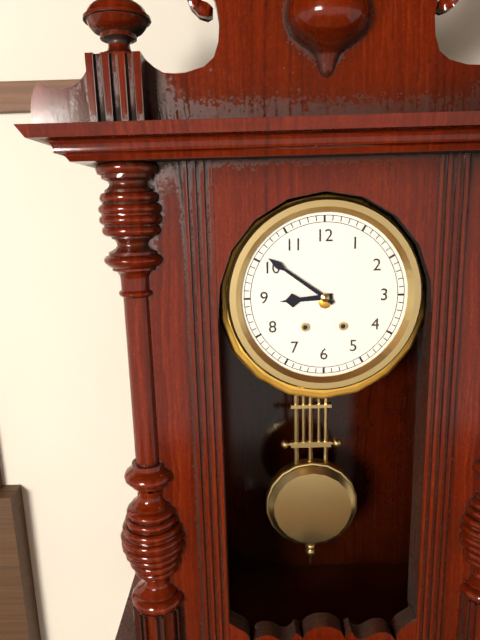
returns 8,51
